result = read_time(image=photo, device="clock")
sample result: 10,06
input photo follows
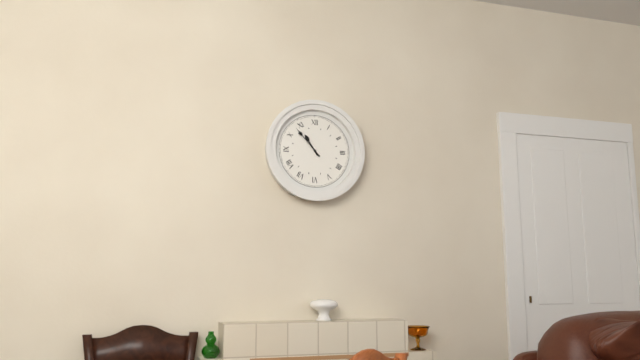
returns 10,53
